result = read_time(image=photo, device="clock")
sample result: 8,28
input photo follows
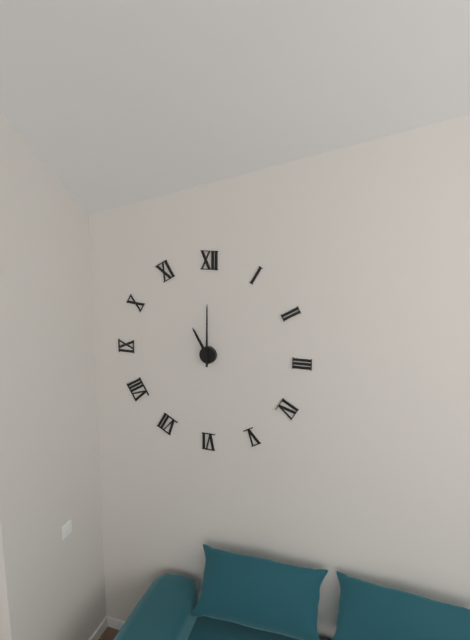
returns 11,00
